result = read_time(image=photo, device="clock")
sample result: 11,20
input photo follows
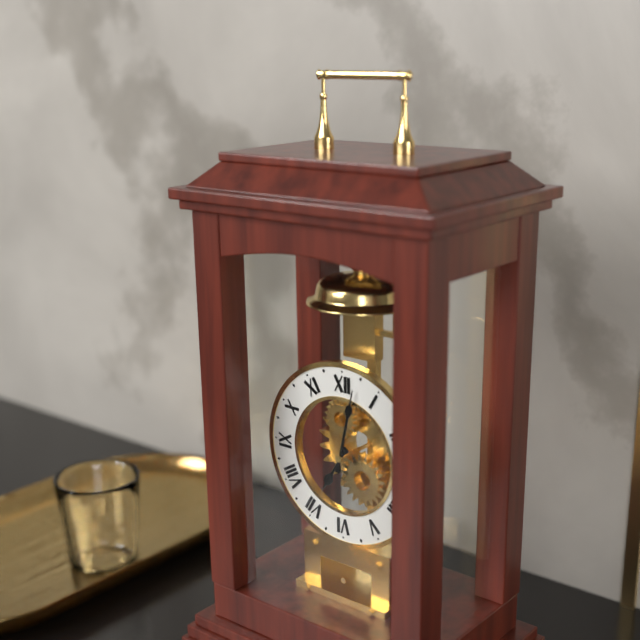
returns 7,02
